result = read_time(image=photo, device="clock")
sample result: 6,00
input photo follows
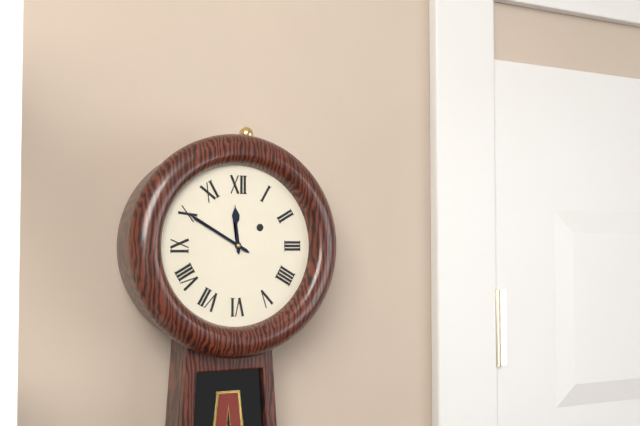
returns 11,50
